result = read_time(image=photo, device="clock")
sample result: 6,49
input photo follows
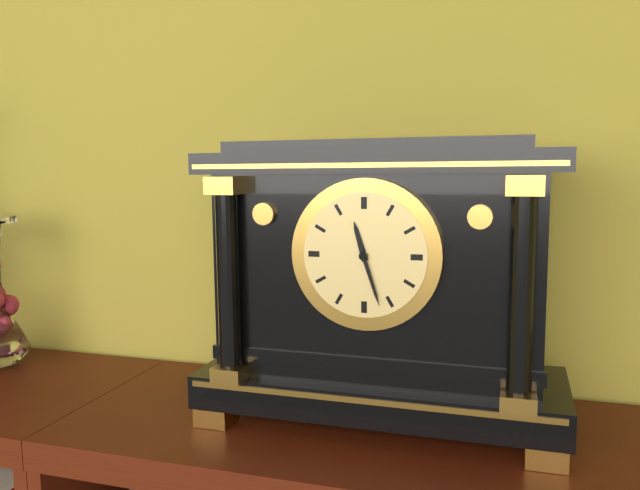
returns 11,27
